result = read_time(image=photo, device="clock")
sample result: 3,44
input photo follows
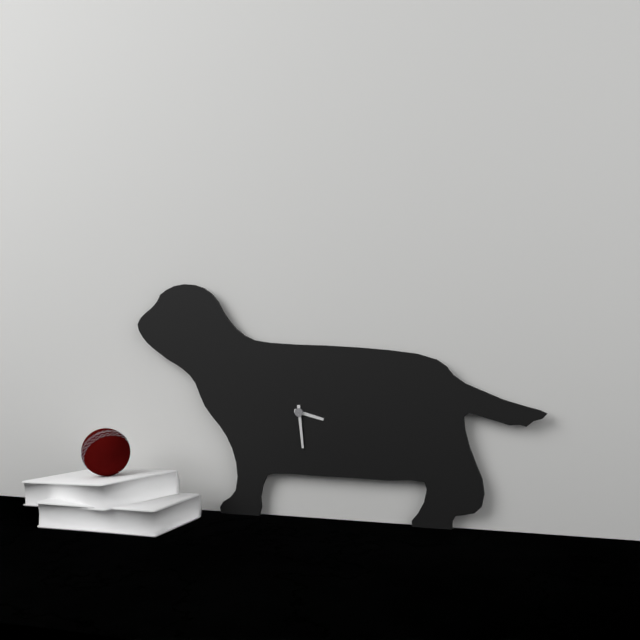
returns 3,29
